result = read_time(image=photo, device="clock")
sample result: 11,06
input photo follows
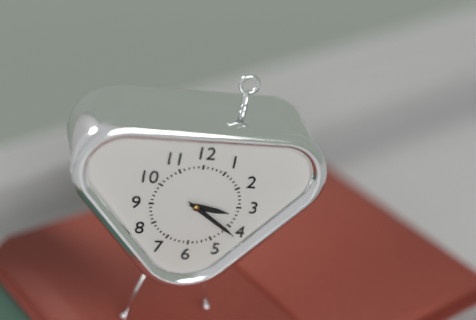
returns 3,21
